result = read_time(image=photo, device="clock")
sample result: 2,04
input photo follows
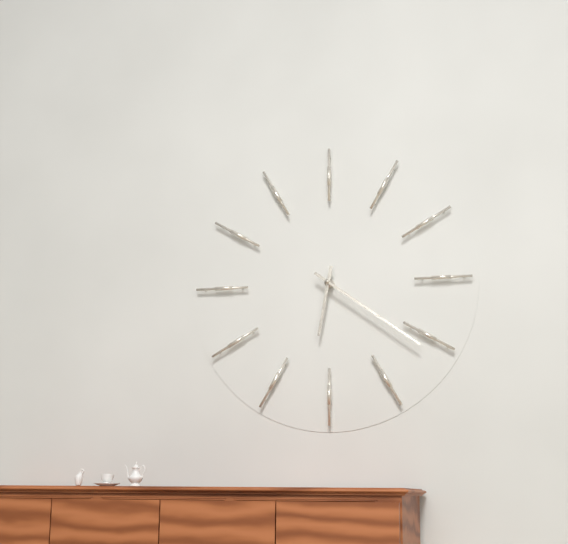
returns 6,21
